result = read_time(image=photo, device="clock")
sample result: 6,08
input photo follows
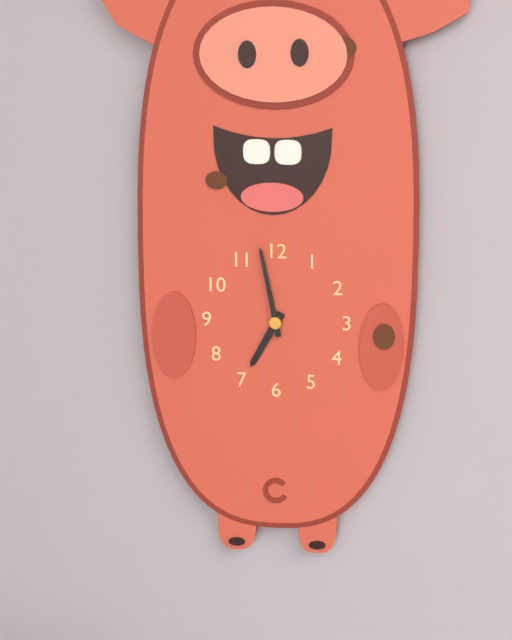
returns 6,58
